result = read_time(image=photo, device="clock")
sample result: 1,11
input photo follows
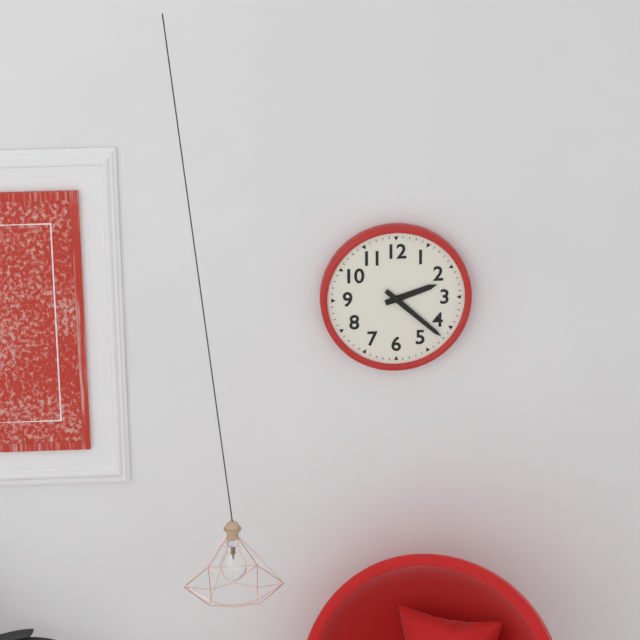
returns 2,22
